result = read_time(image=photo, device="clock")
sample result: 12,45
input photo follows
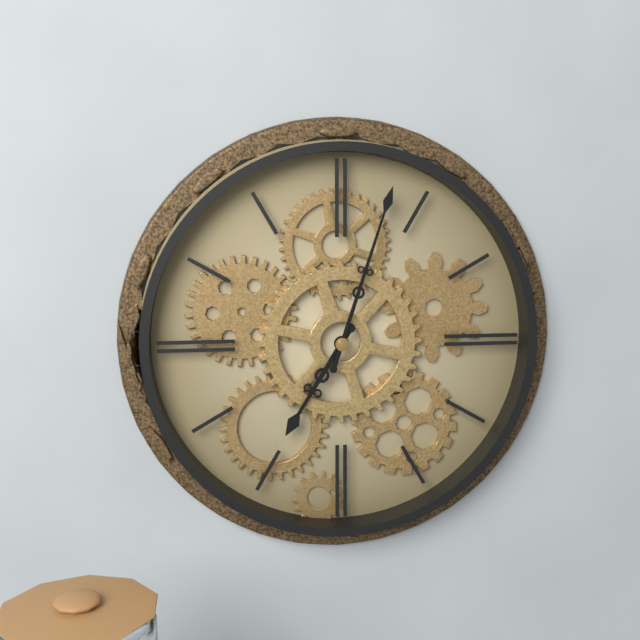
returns 7,03
